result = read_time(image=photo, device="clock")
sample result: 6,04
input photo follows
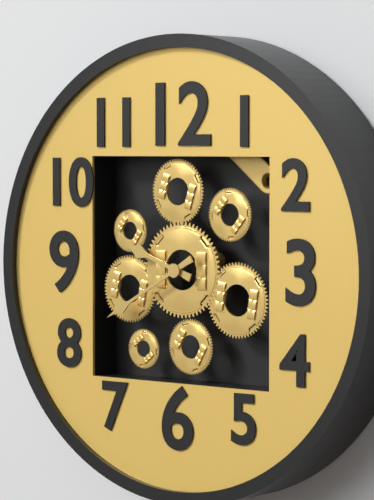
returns 9,40
